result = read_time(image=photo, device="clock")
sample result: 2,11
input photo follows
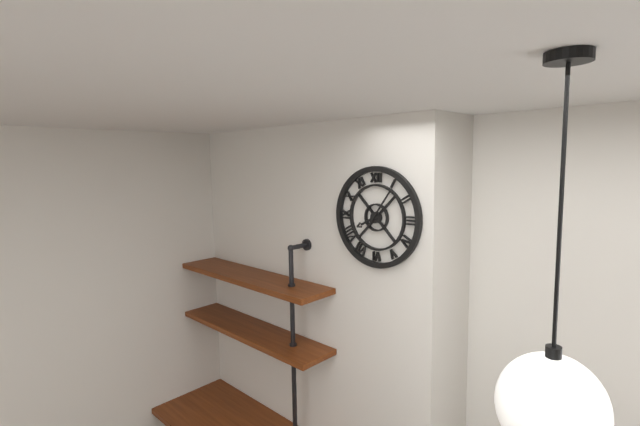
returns 8,06
